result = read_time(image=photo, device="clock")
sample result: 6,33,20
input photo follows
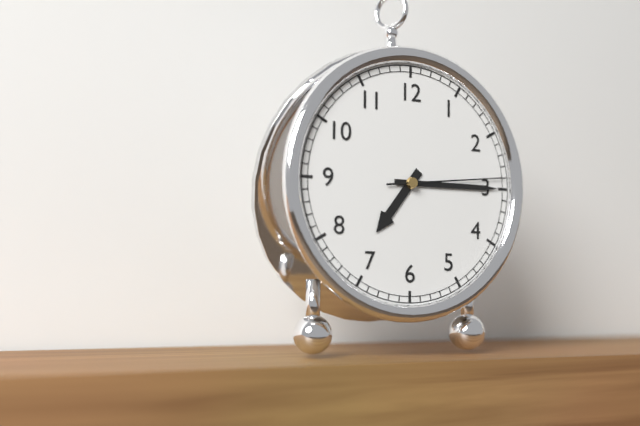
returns 7,15,14
